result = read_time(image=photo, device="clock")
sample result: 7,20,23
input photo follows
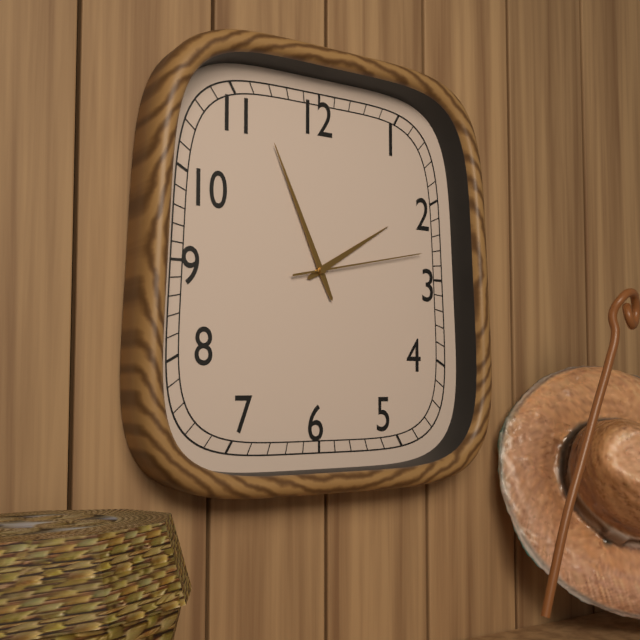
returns 1,56,13
